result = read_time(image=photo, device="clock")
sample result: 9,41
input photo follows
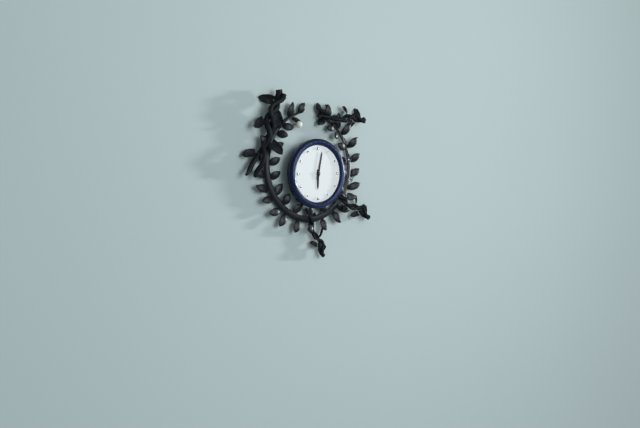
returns 6,02
